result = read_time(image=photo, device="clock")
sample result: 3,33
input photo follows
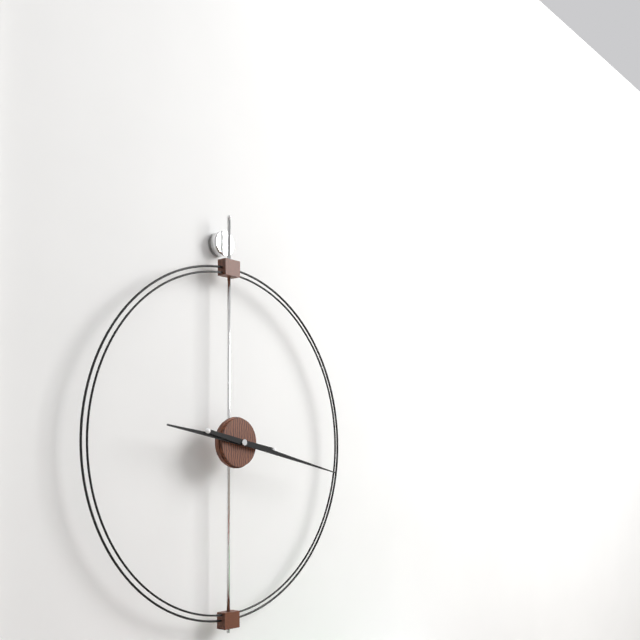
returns 9,17
